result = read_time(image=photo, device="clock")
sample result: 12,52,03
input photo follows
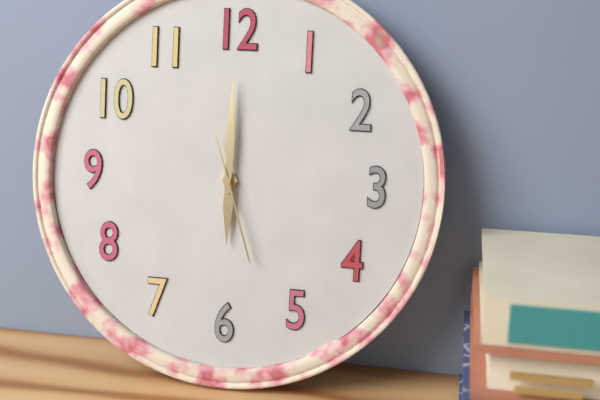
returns 6,00,27
